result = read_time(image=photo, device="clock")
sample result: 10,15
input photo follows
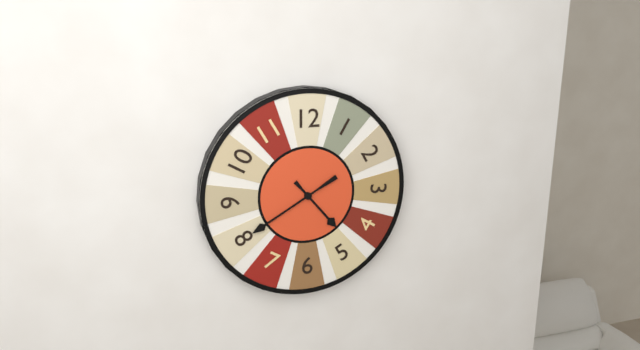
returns 4,40
